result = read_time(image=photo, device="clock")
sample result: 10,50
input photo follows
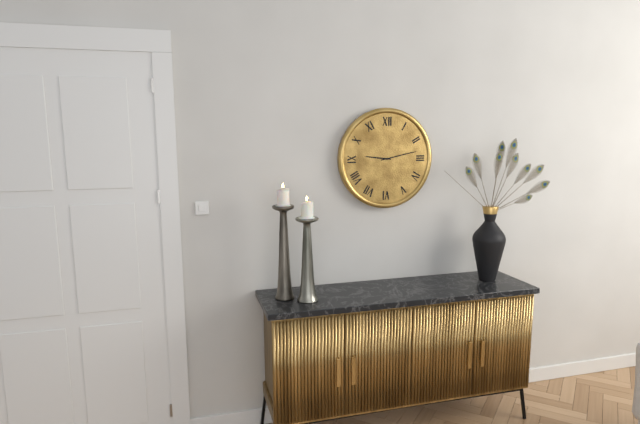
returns 9,13
